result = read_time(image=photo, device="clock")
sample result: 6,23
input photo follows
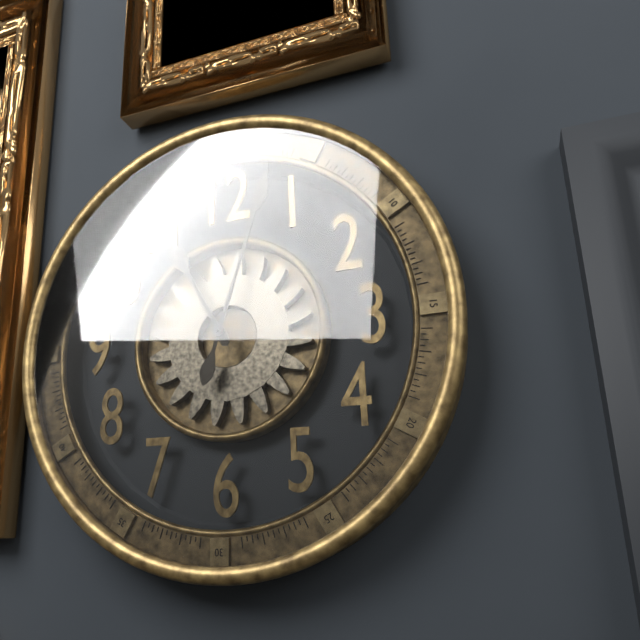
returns 11,03
